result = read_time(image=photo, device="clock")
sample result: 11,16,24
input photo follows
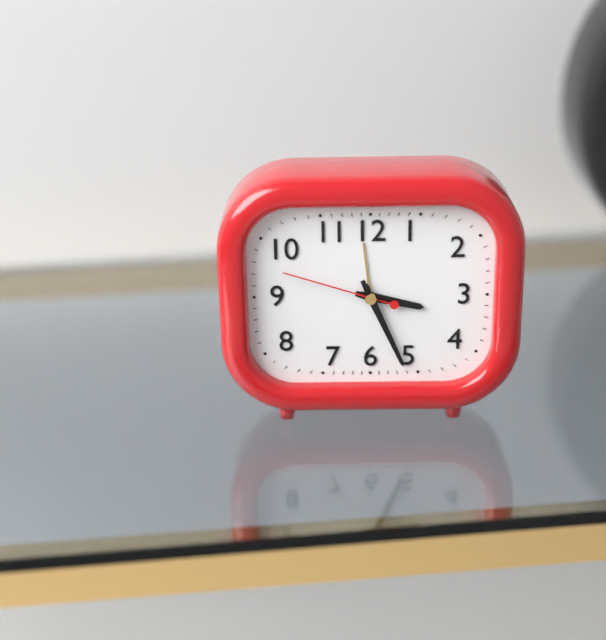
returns 3,26,48
